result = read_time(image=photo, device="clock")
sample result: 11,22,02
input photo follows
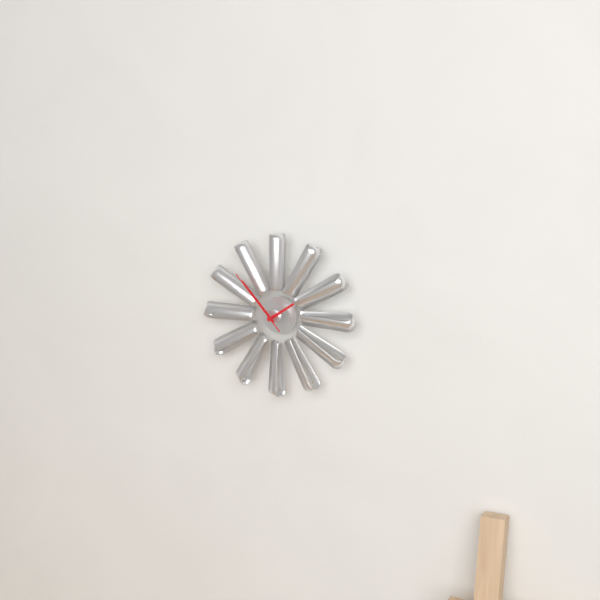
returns 1,53,53
